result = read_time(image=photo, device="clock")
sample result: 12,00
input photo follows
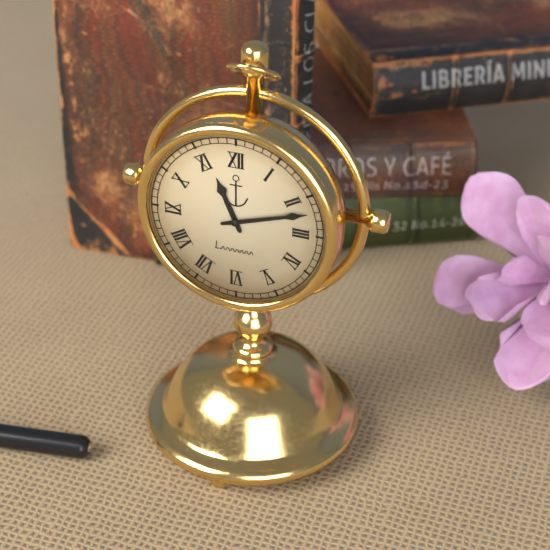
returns 11,12
